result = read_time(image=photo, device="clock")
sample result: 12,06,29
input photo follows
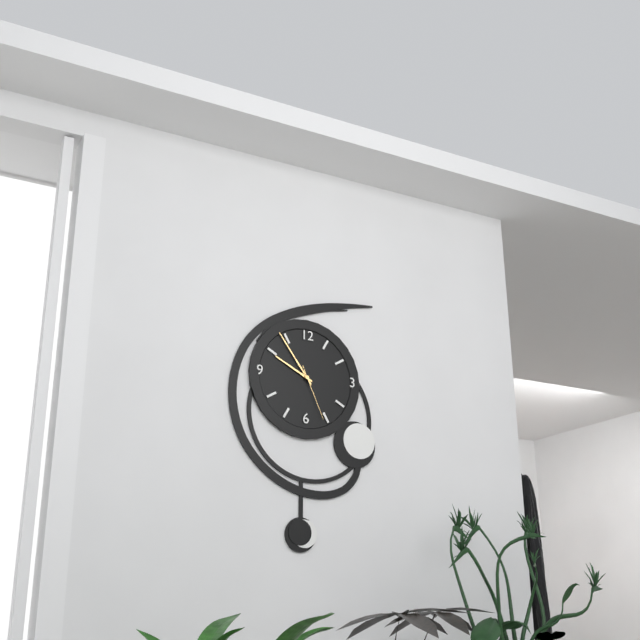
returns 9,54,26
